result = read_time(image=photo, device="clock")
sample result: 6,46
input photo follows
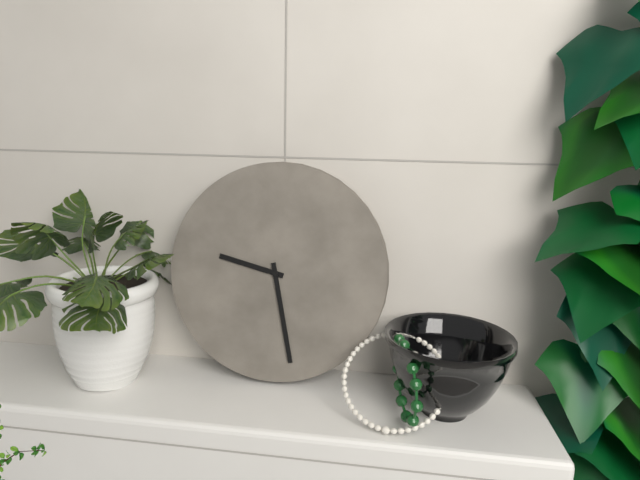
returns 9,28
